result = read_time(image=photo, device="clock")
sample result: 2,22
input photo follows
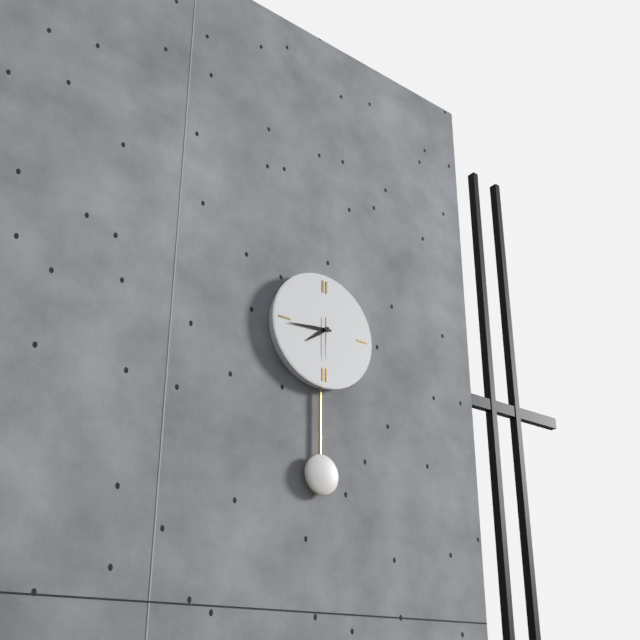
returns 7,44
